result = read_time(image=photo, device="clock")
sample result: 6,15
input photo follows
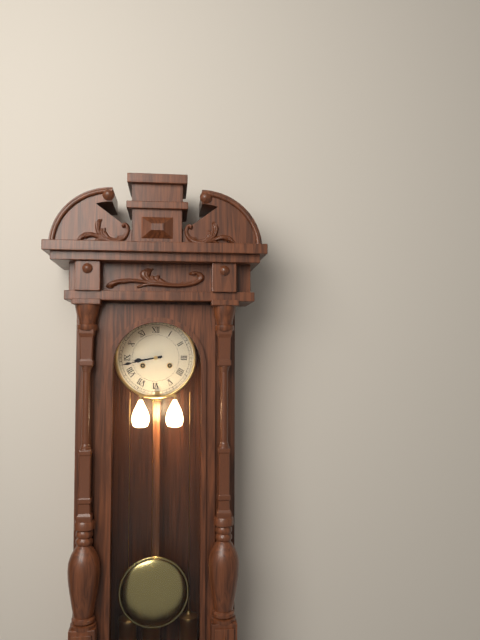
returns 8,43
